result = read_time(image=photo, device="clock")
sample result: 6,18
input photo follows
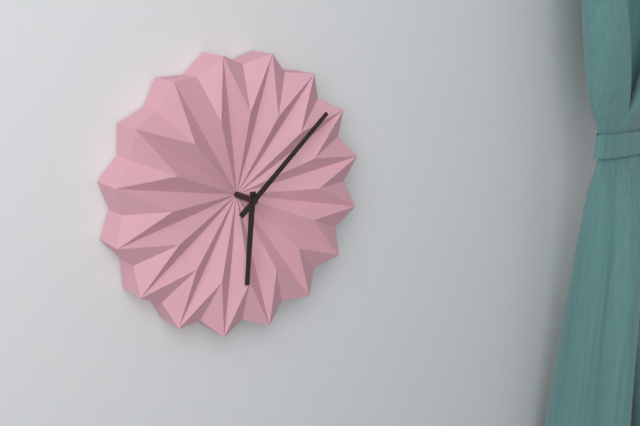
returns 6,08
